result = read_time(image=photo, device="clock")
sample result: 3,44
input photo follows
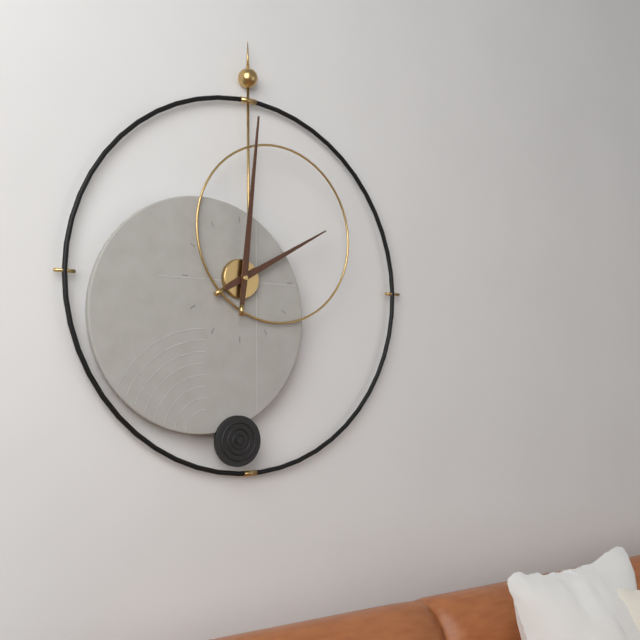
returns 2,01
